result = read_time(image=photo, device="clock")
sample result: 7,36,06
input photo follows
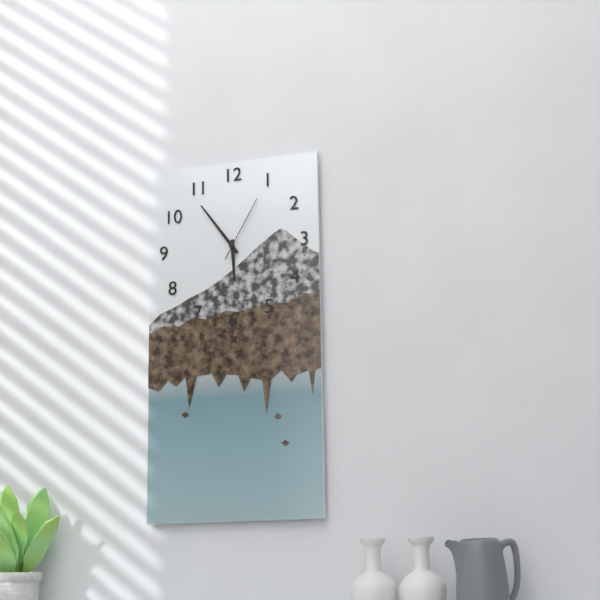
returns 5,54,05
